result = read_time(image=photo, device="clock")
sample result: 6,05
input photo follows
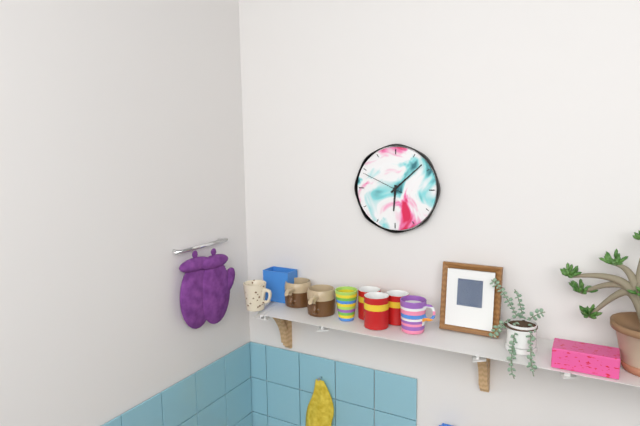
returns 6,08
